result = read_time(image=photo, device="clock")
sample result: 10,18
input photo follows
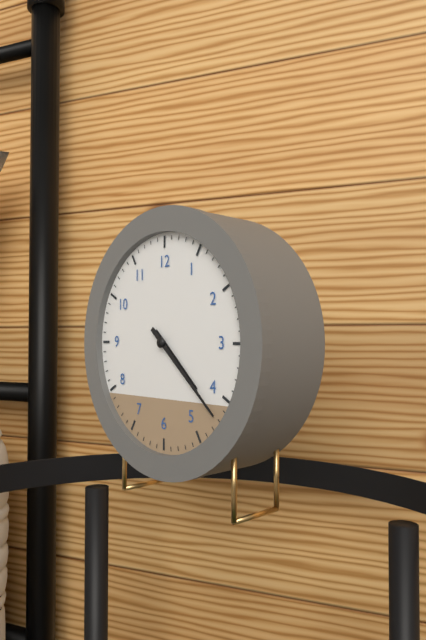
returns 4,22
